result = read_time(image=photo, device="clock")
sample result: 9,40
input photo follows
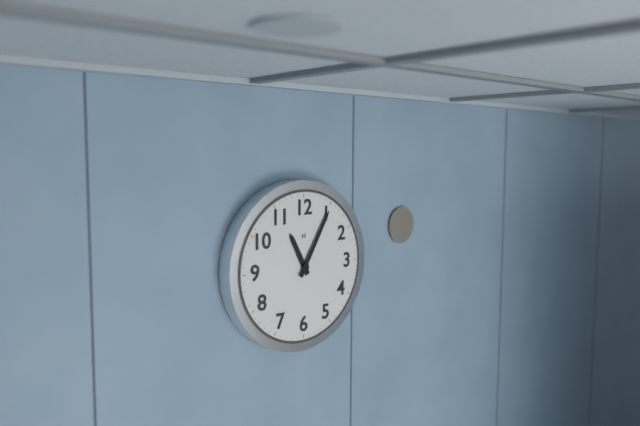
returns 11,05
